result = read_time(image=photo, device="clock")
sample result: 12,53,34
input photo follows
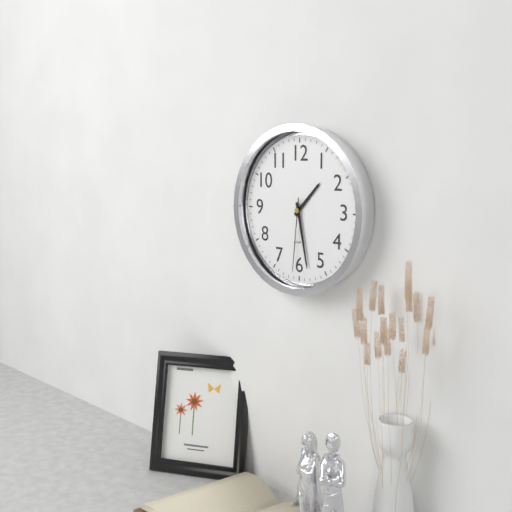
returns 1,28,31
